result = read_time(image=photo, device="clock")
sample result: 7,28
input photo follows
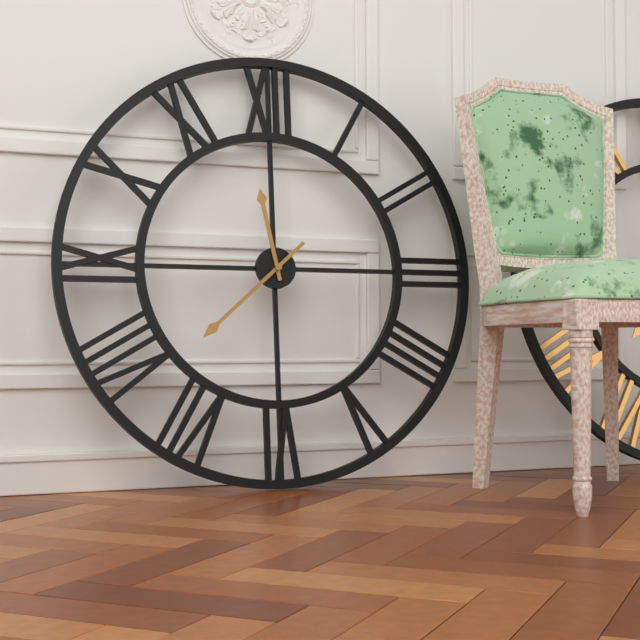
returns 11,38
